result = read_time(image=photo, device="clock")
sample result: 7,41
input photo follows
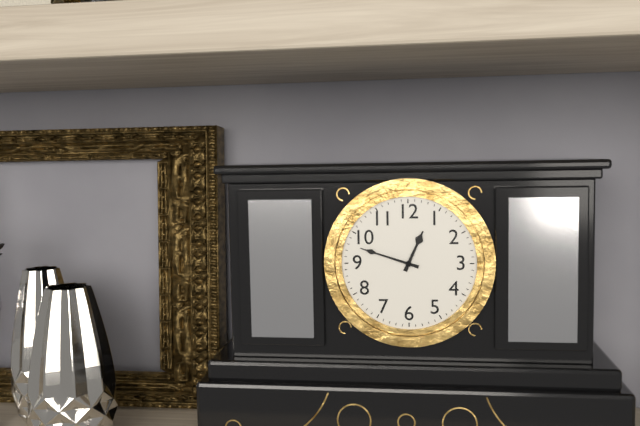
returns 12,48
